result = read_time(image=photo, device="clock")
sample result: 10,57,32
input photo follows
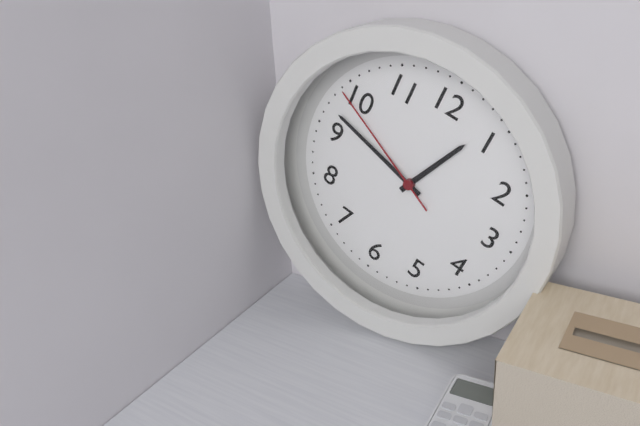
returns 12,47,49
